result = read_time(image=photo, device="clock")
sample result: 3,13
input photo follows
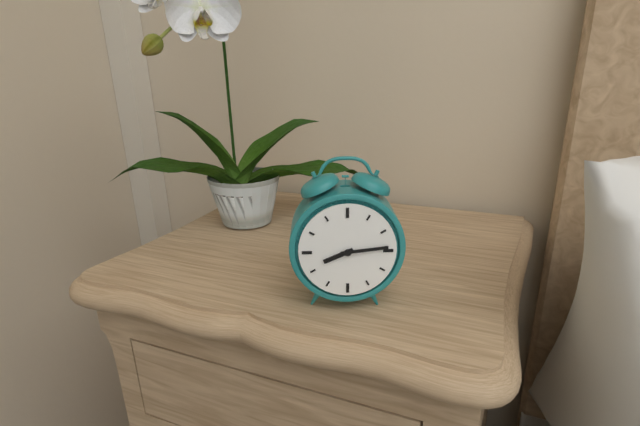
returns 8,14
